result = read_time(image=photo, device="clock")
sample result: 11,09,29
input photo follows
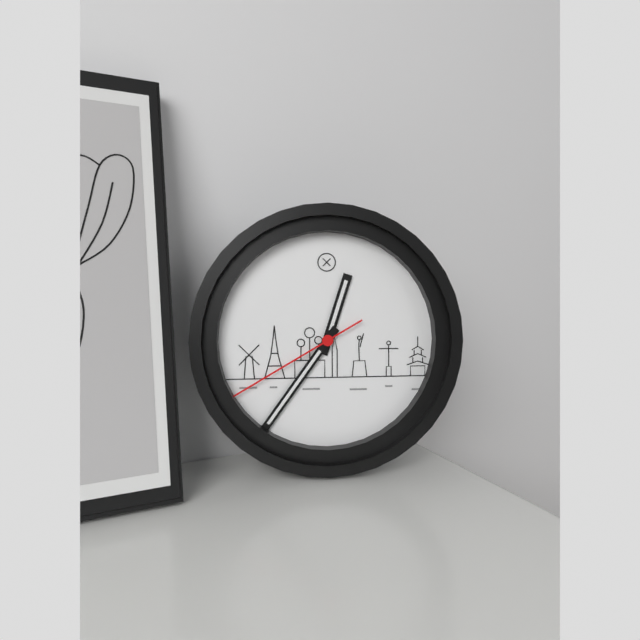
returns 12,36,40
